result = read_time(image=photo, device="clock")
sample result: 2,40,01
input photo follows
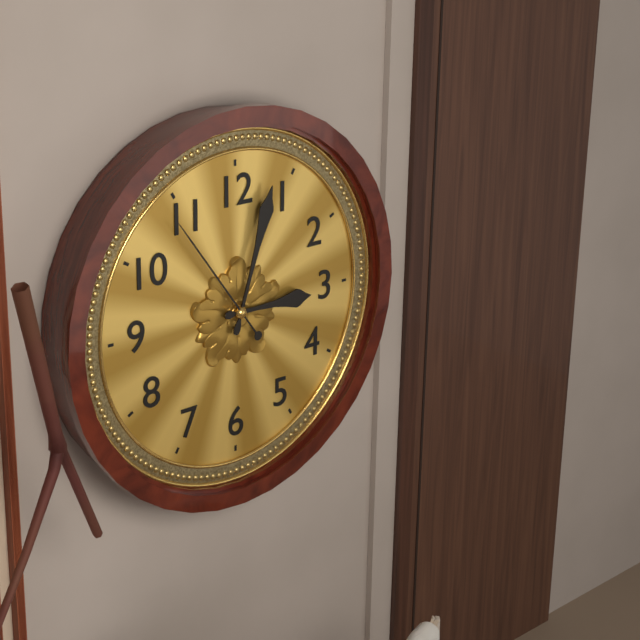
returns 3,03,54
